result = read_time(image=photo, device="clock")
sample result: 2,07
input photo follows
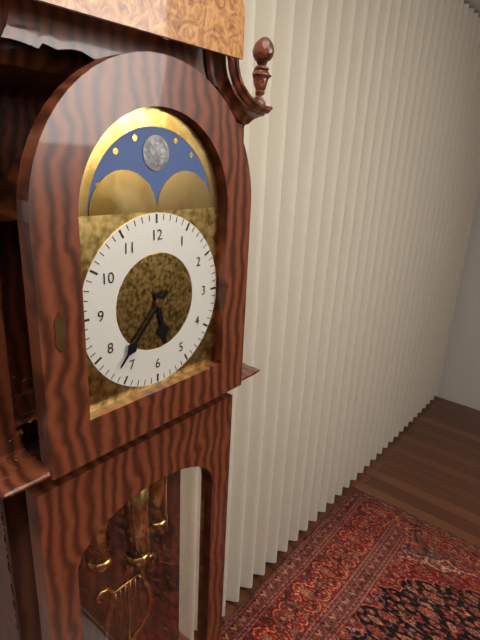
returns 5,37
